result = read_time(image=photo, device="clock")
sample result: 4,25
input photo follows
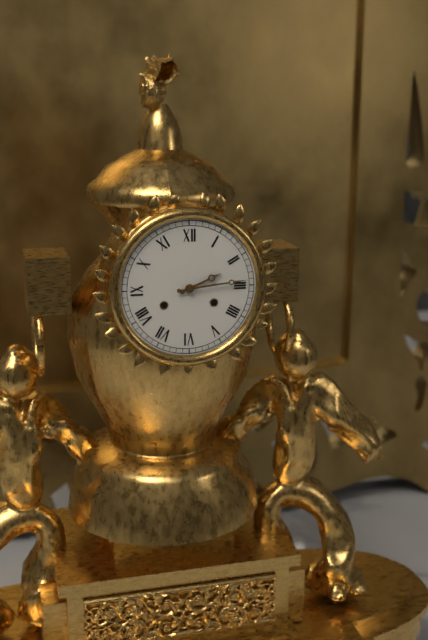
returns 2,14
